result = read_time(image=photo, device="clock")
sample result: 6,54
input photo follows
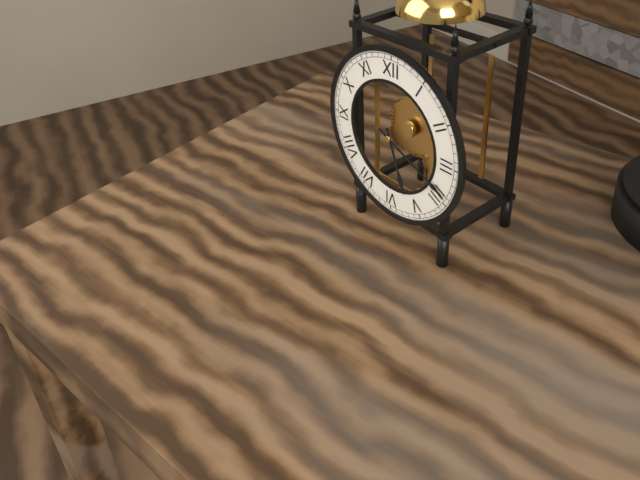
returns 5,19
